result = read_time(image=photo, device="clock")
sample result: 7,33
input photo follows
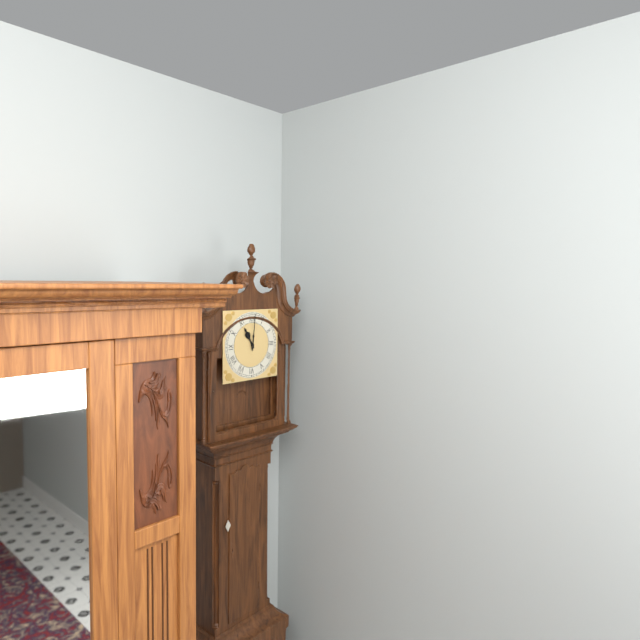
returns 11,01
